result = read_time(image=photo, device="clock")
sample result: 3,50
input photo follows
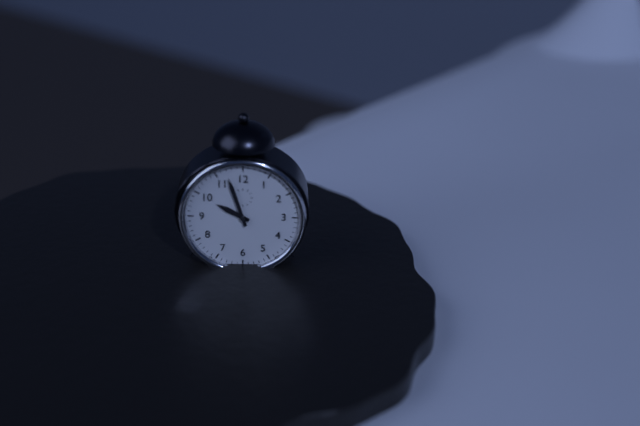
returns 9,57
